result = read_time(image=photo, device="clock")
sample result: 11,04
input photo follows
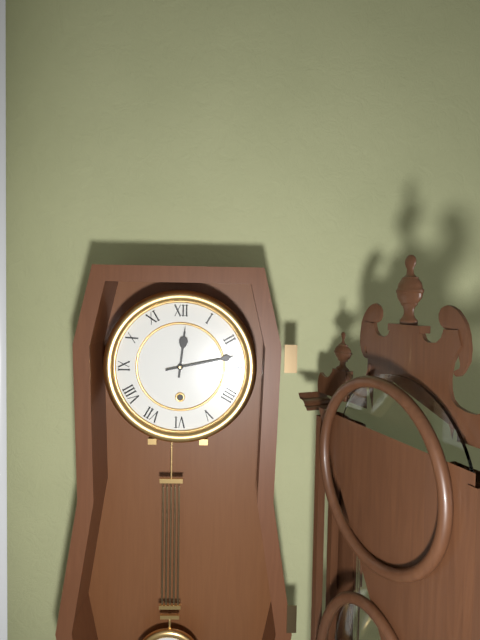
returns 12,13
